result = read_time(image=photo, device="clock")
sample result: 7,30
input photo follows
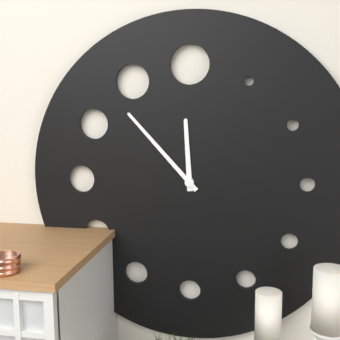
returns 11,53
